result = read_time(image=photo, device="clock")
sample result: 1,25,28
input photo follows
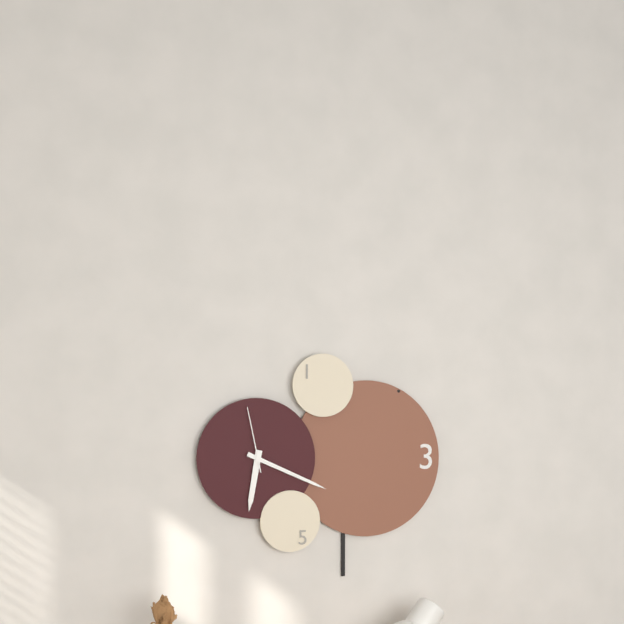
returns 6,19,58
